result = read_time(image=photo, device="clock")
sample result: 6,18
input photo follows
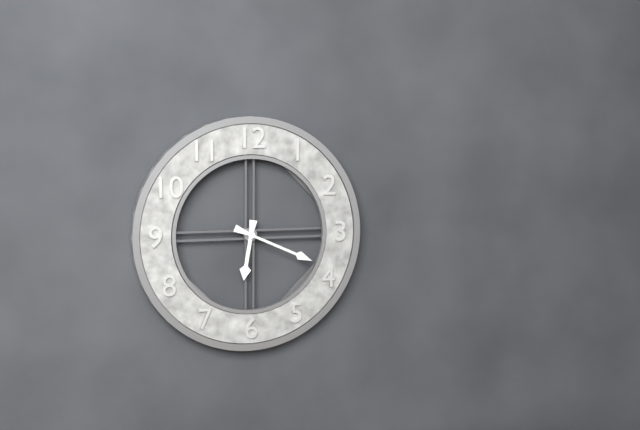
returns 6,19
